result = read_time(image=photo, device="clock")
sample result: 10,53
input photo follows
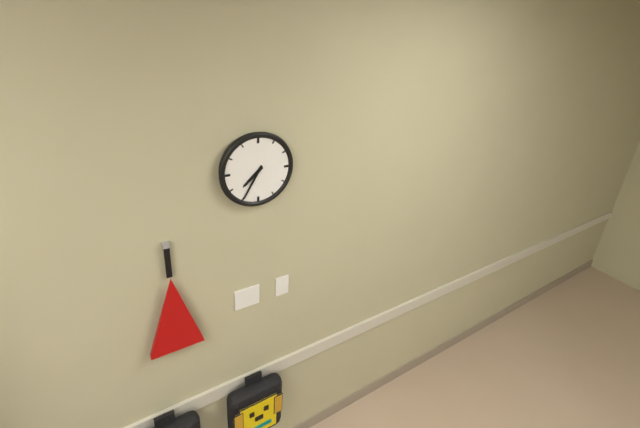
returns 7,35
